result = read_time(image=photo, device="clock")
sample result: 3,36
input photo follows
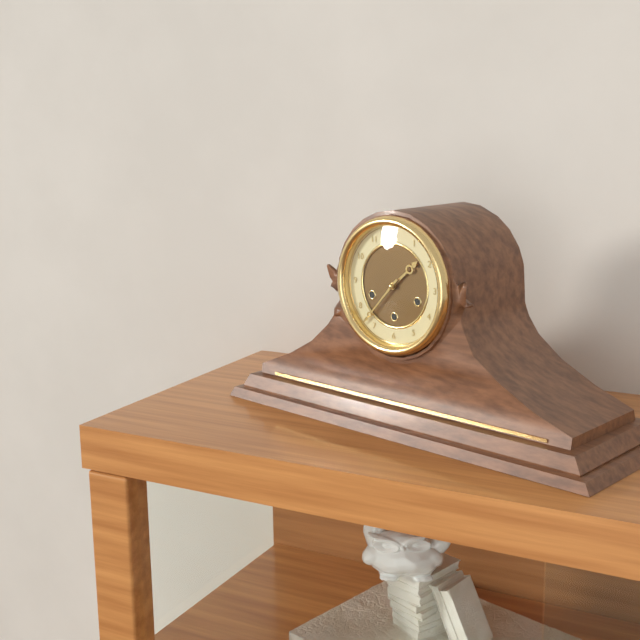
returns 1,37
